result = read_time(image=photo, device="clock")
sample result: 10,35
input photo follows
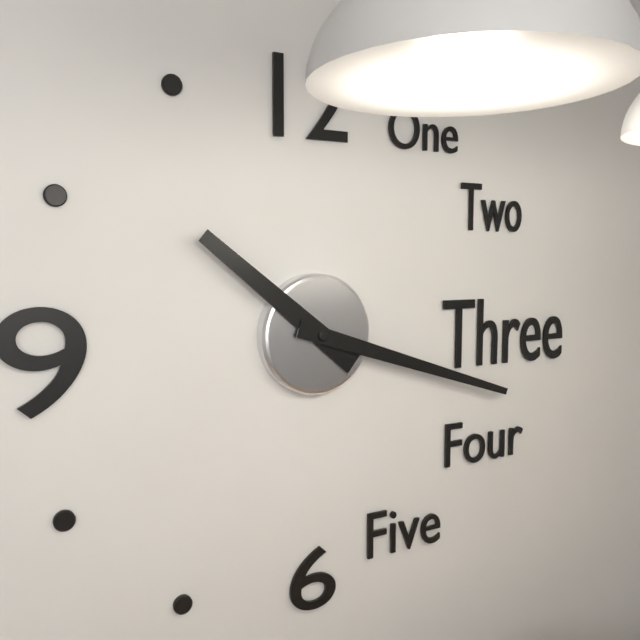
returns 10,18
